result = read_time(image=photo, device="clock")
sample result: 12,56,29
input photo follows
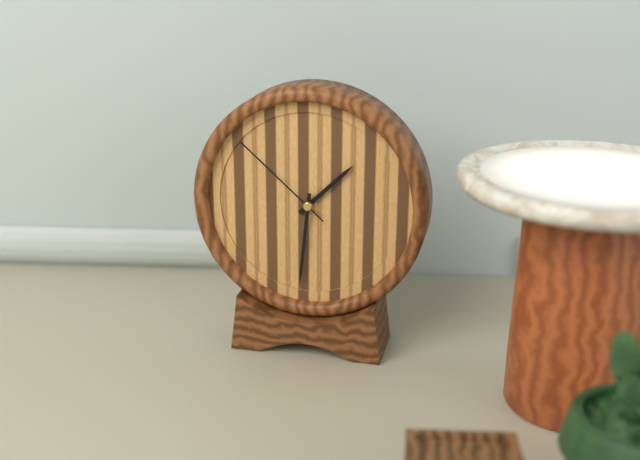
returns 1,31,52
